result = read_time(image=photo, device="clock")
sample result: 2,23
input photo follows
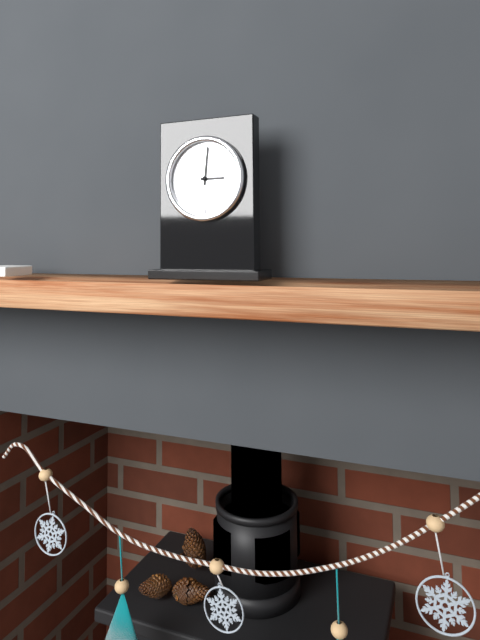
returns 3,01
